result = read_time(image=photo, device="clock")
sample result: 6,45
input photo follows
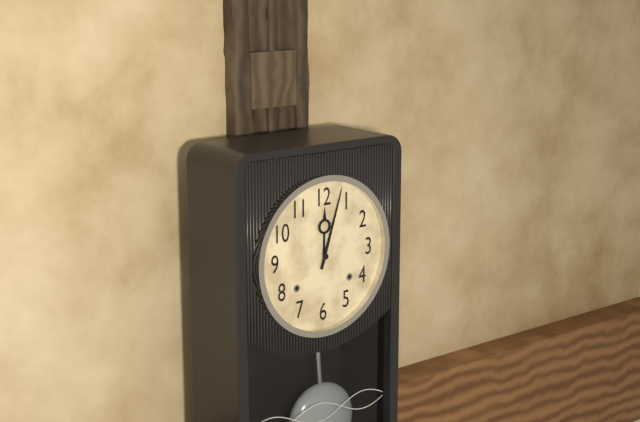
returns 12,03
